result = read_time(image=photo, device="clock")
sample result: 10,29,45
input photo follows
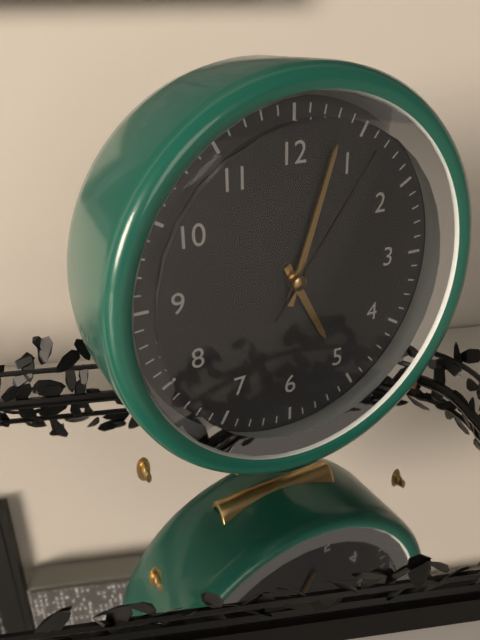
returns 5,03,06
